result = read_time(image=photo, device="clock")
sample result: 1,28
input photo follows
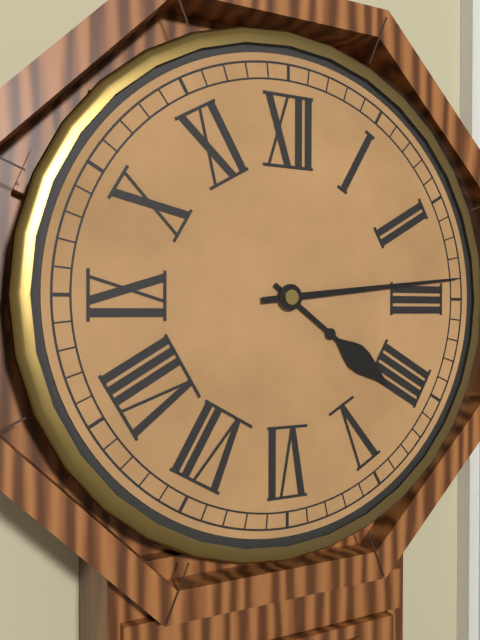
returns 4,14
